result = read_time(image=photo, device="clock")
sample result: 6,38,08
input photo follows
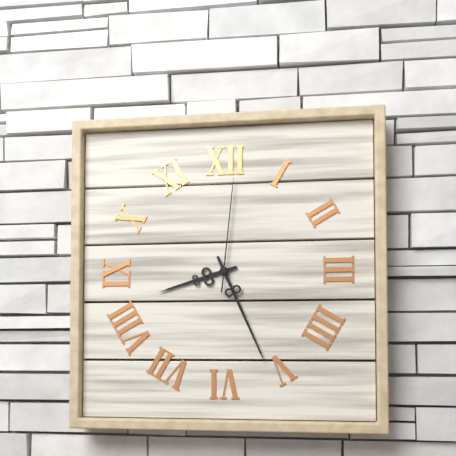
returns 8,26,01
